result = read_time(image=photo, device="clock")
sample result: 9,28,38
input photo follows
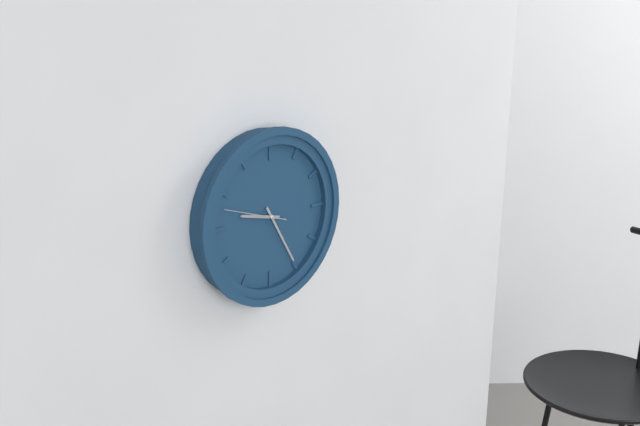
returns 9,25,48
